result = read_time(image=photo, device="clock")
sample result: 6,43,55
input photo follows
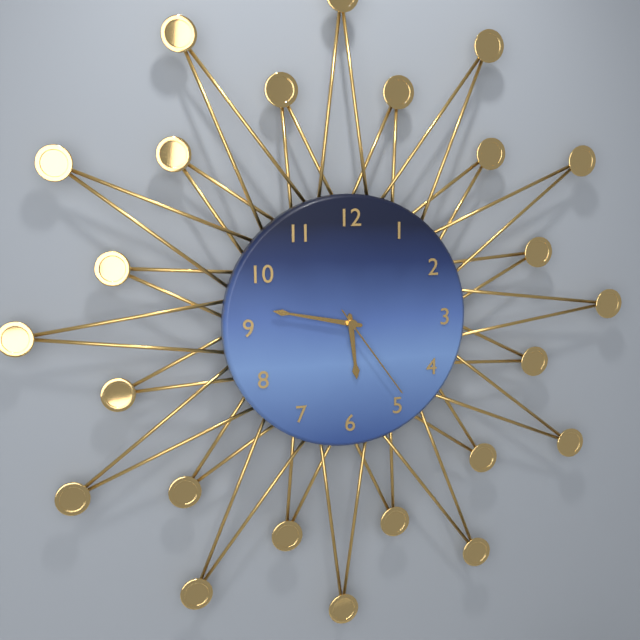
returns 5,47,24
